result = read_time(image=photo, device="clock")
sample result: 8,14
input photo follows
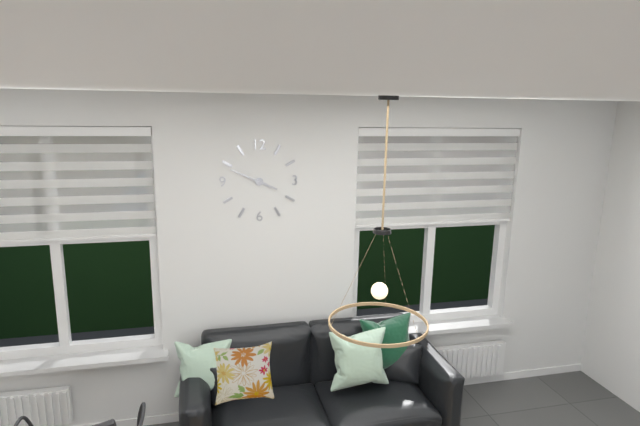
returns 3,49
